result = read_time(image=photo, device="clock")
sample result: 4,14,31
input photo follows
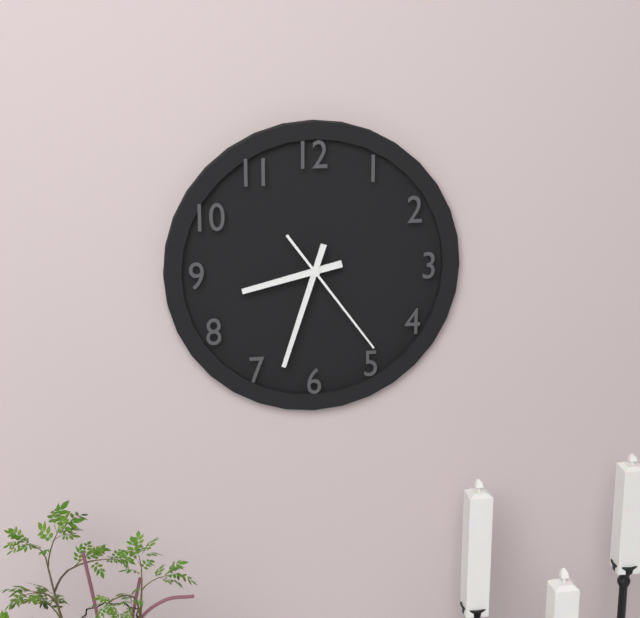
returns 8,33,24
